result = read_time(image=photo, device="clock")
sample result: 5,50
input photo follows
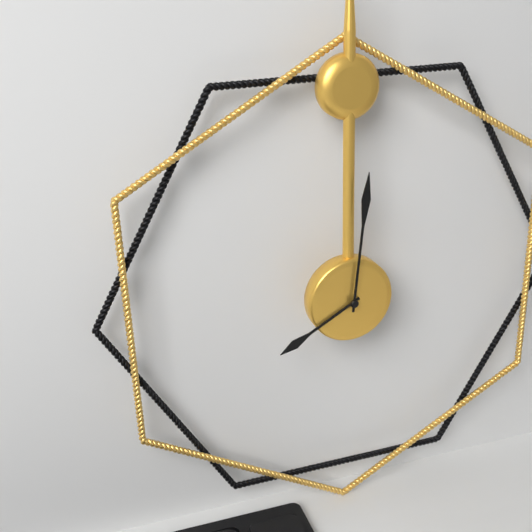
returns 8,01
